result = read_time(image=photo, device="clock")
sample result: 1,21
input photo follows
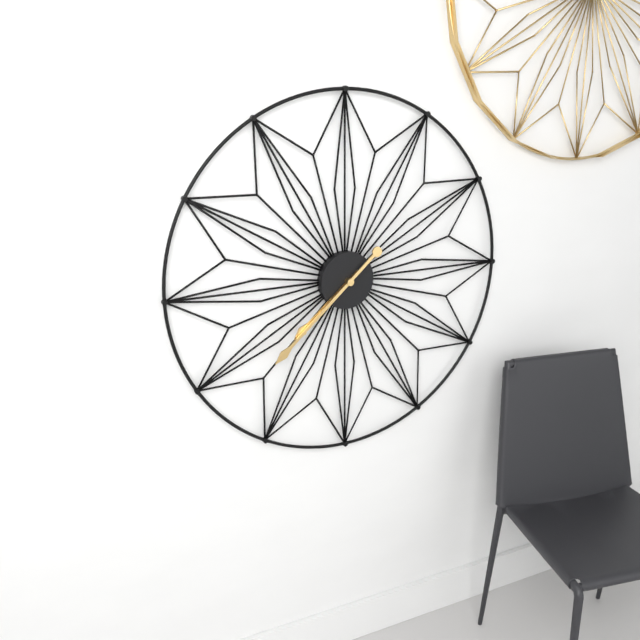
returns 7,38
